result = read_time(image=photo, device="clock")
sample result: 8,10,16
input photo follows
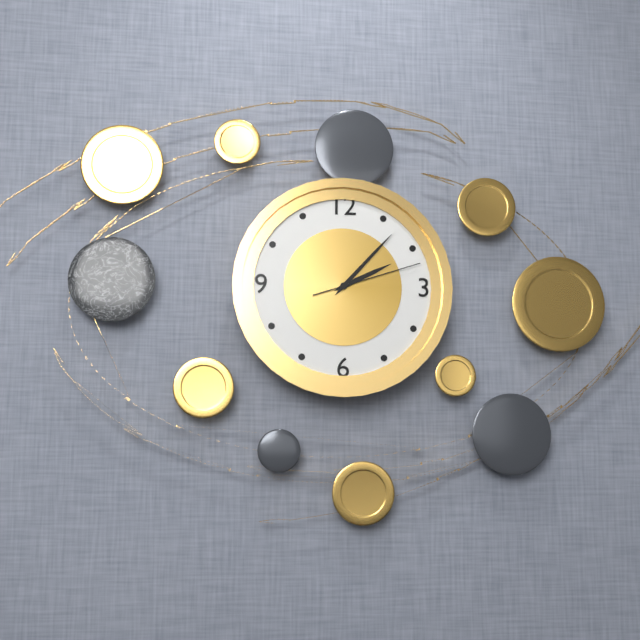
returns 2,07,12
